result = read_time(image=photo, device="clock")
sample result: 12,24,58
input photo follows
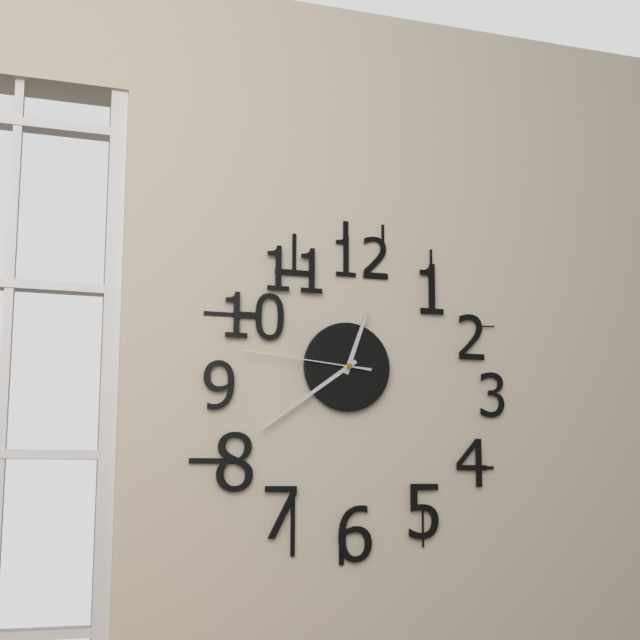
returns 12,39,46
